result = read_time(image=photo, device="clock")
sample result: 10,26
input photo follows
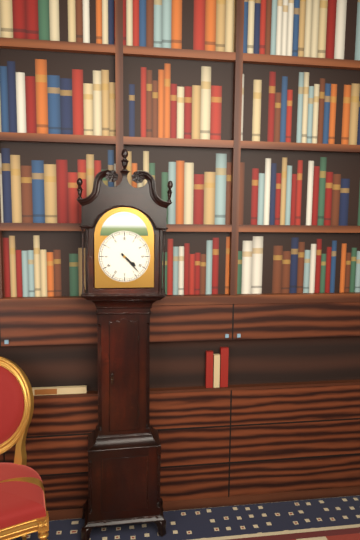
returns 4,23
